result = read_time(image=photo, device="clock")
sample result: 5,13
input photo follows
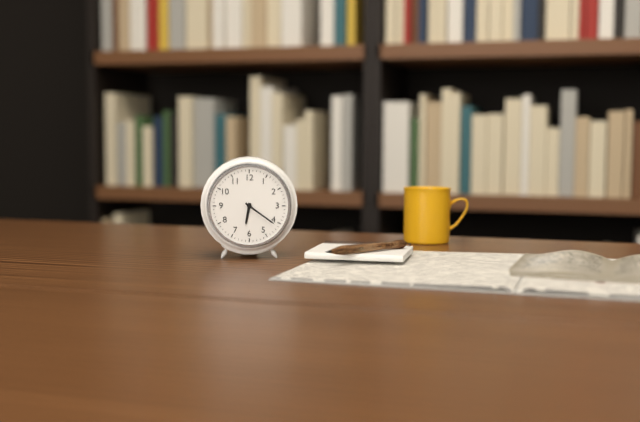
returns 6,21
